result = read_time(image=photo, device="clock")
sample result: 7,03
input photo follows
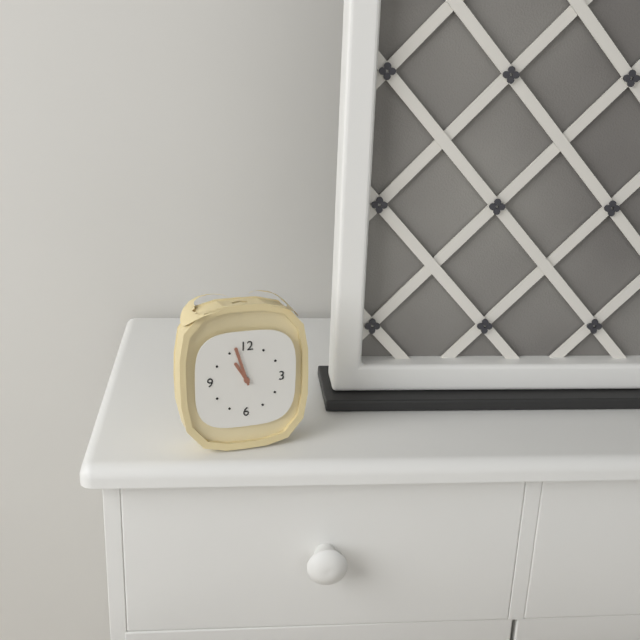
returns 10,57
